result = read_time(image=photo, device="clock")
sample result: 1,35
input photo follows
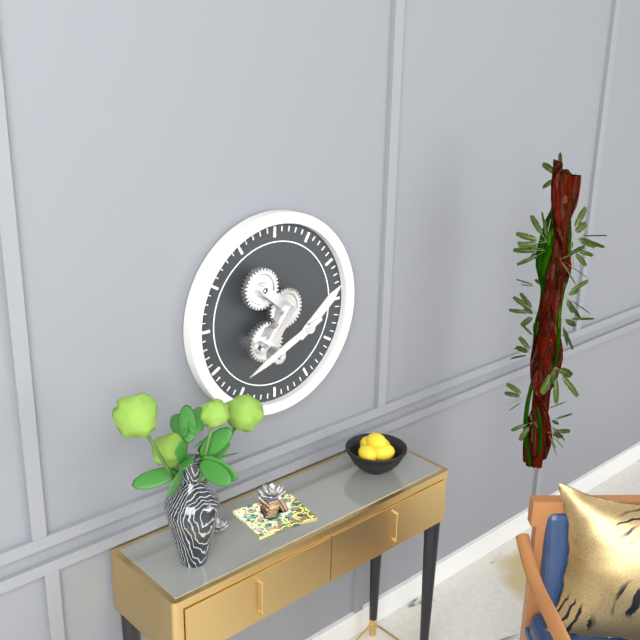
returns 1,41
